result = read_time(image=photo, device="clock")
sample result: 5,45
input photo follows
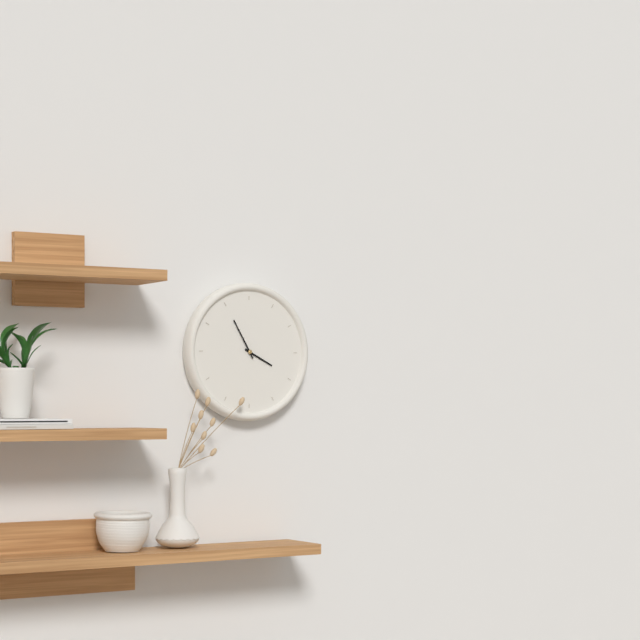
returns 3,55
